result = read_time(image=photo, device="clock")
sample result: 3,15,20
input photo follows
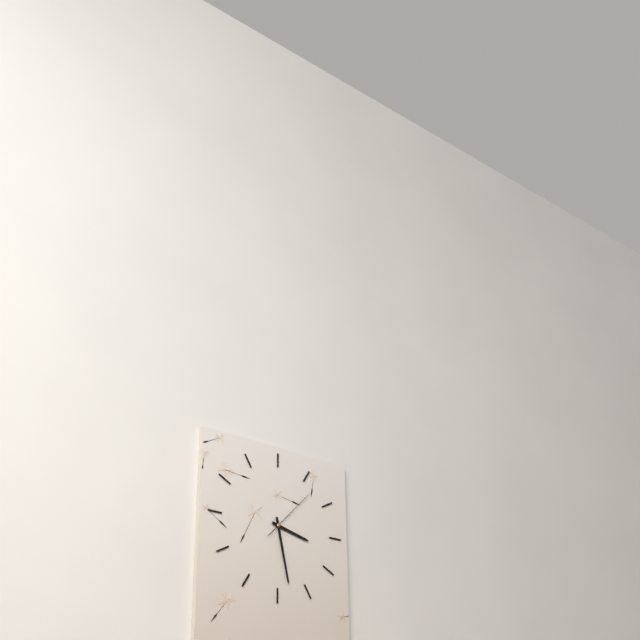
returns 3,28,07
